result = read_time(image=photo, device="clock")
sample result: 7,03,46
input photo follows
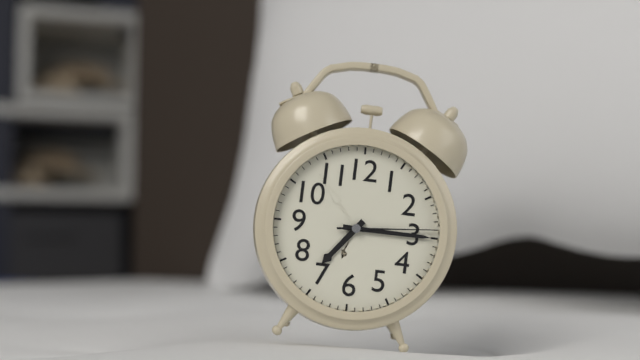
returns 7,15,14
